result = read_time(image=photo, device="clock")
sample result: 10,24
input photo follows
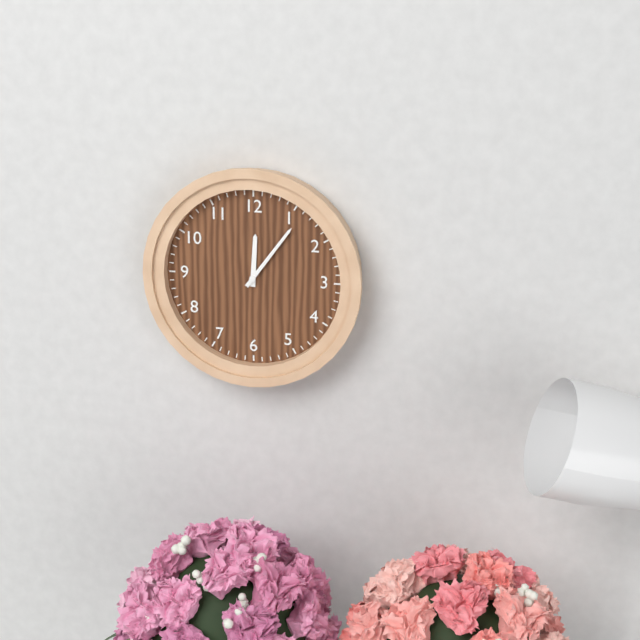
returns 12,06
